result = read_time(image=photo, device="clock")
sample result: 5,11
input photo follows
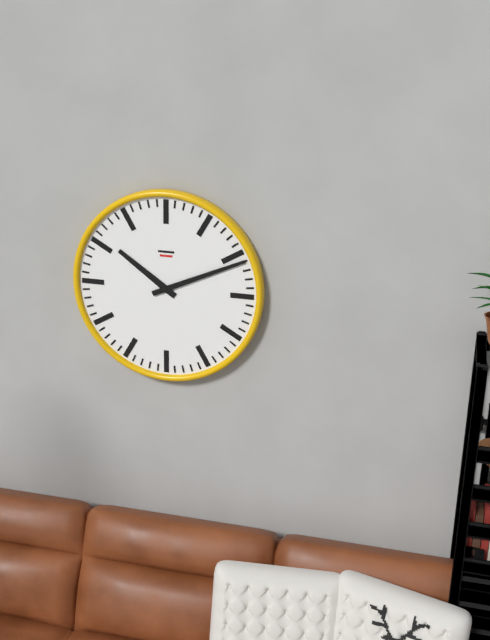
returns 10,11
